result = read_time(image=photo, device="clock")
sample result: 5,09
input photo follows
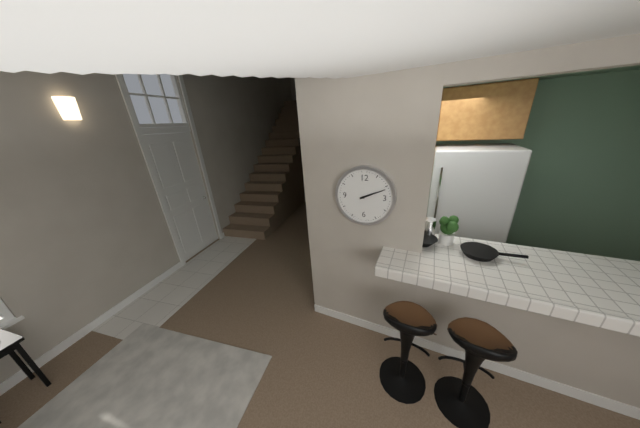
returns 2,11
